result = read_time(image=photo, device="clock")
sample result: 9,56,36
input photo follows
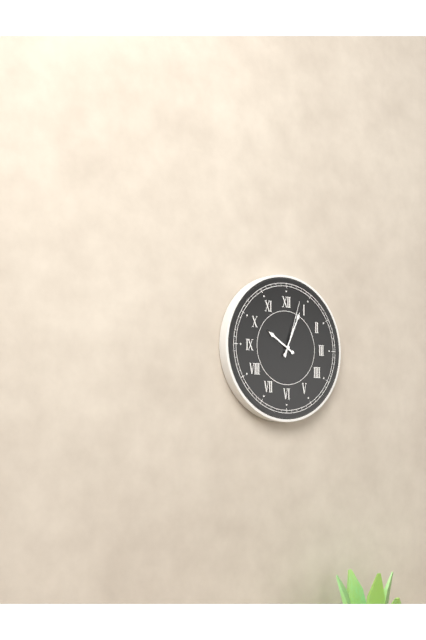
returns 10,04,03
